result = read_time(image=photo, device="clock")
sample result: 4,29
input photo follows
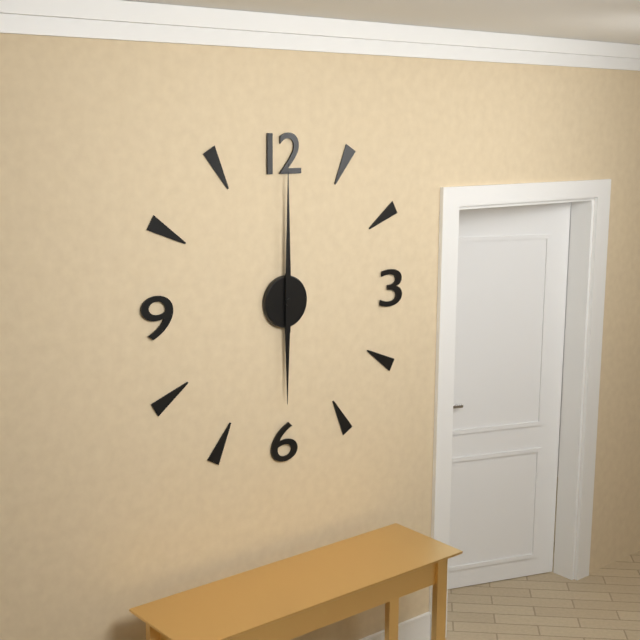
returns 6,00
